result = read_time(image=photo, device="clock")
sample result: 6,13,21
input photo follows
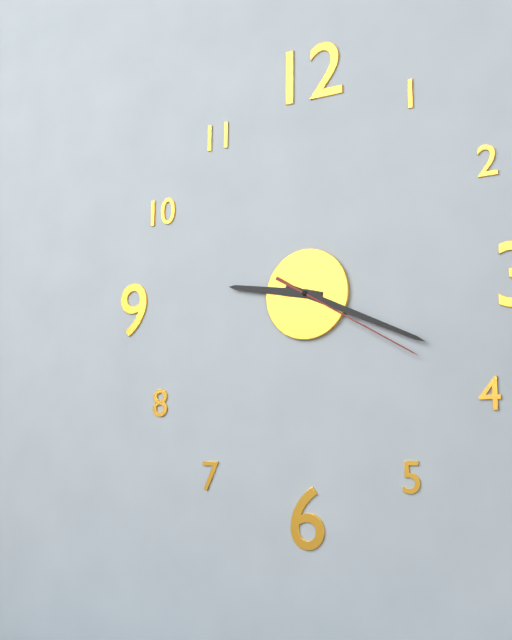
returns 9,19,20
